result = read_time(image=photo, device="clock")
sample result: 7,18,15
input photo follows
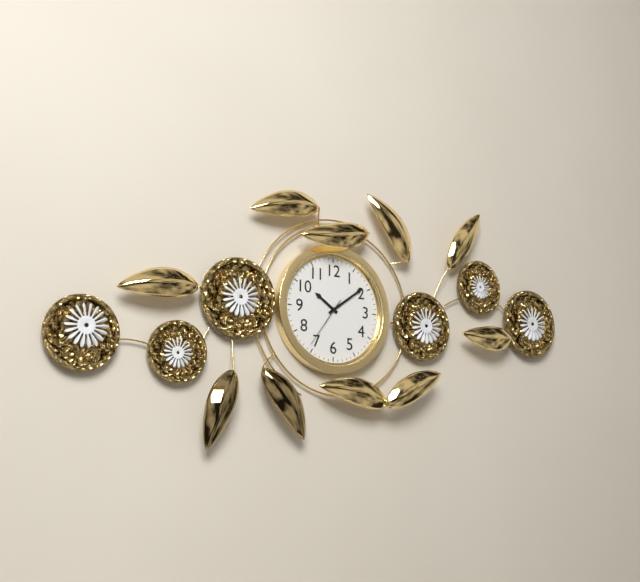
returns 10,09,36
